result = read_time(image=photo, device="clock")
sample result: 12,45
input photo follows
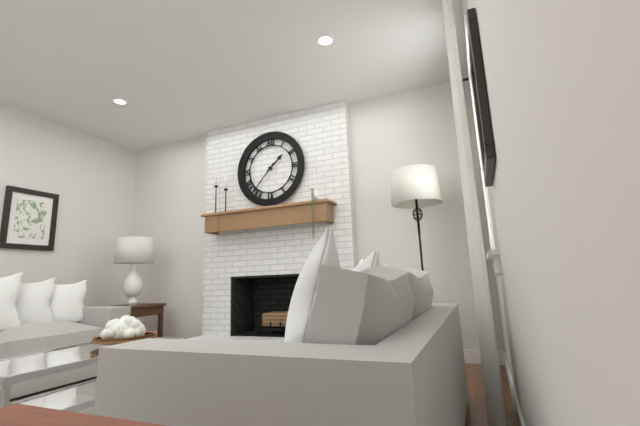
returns 1,37
